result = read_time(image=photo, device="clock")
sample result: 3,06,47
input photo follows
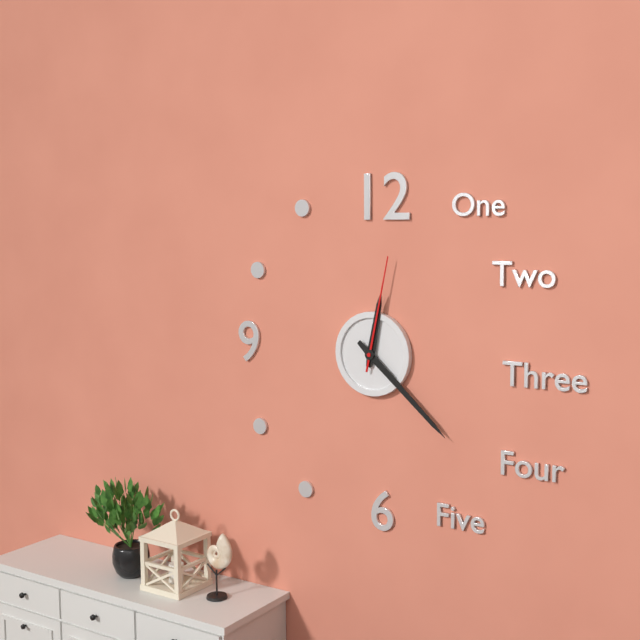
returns 12,22,02
